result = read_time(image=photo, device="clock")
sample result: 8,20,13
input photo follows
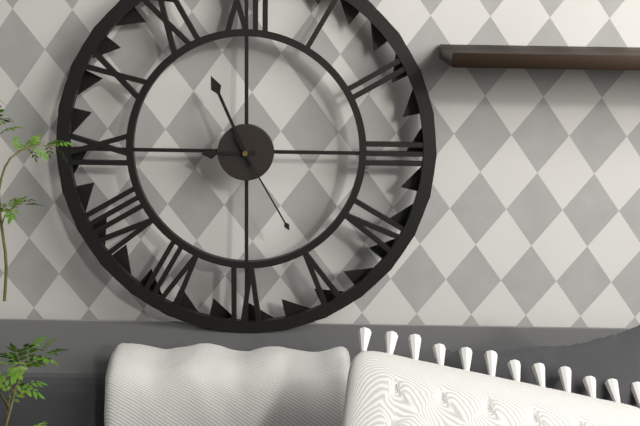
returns 8,56,25
